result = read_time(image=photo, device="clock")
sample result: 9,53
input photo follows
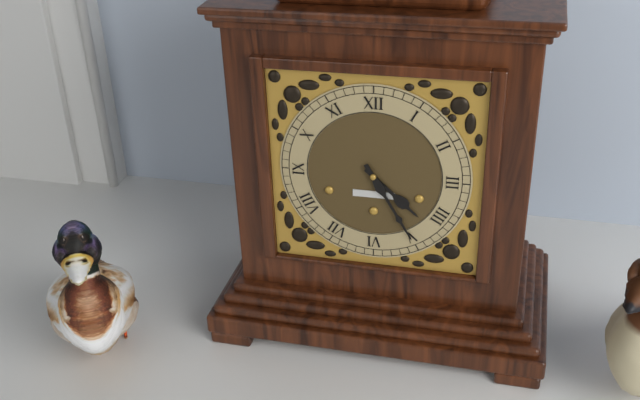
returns 4,25
